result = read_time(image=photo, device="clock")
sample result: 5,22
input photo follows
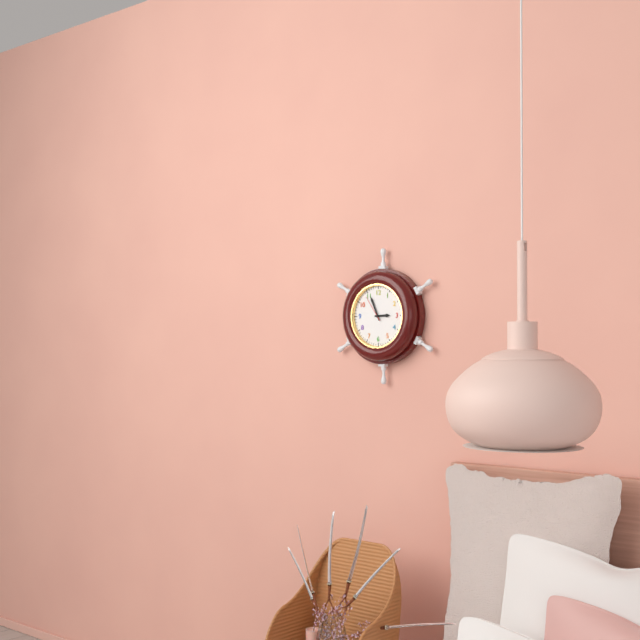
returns 2,56
